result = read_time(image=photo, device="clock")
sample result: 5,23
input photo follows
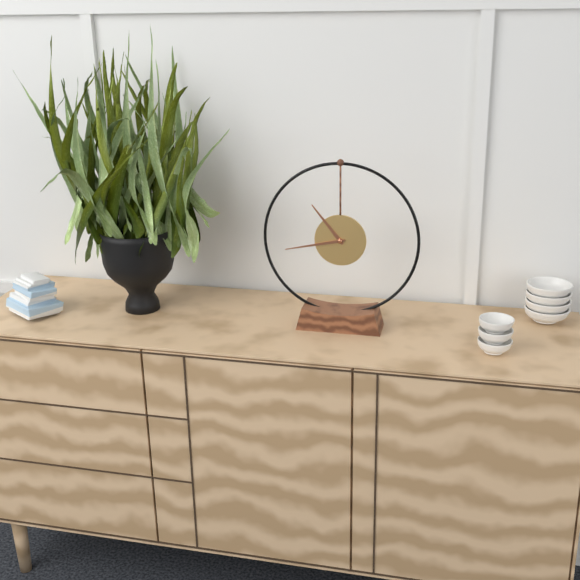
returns 10,43
